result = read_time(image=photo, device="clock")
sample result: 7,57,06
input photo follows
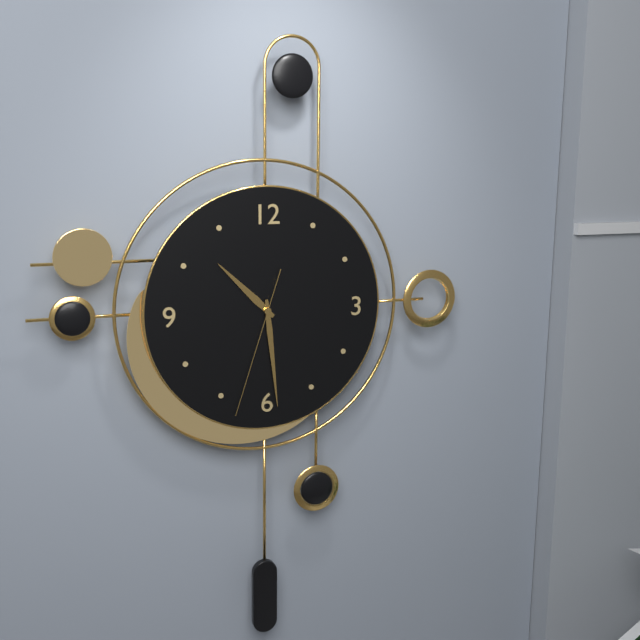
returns 10,29,33
